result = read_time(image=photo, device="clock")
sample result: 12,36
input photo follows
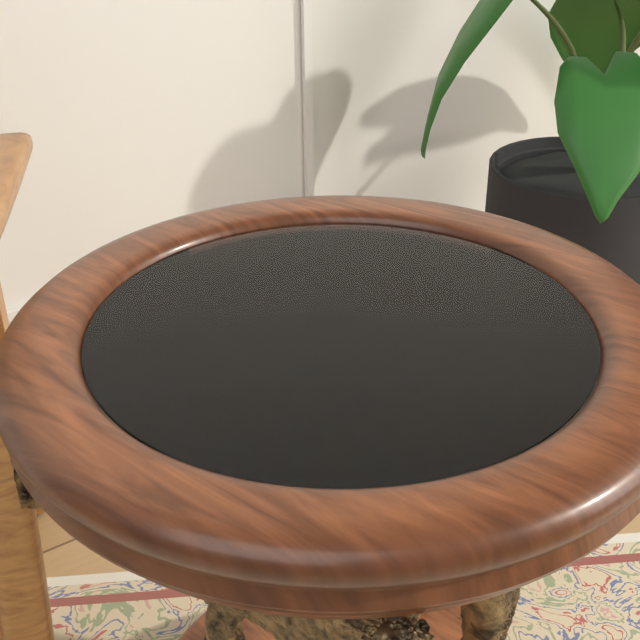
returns 10,55
